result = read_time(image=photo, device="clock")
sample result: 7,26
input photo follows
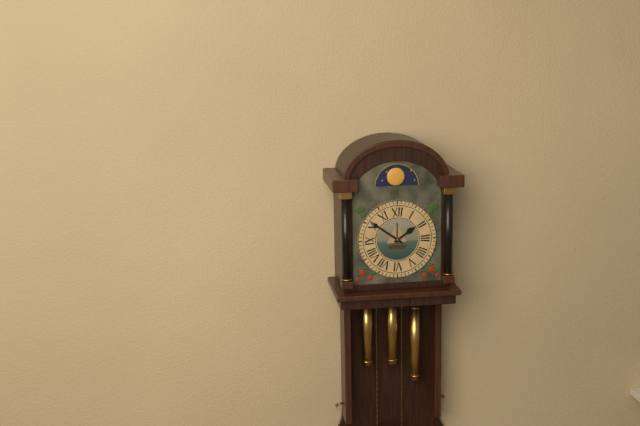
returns 1,51
